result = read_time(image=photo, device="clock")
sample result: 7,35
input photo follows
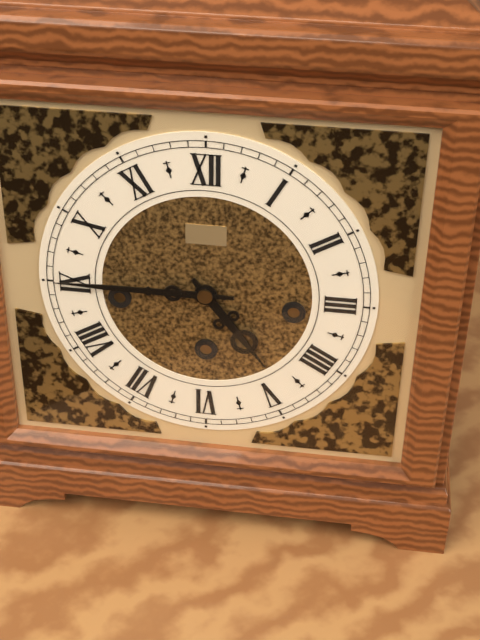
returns 4,45
